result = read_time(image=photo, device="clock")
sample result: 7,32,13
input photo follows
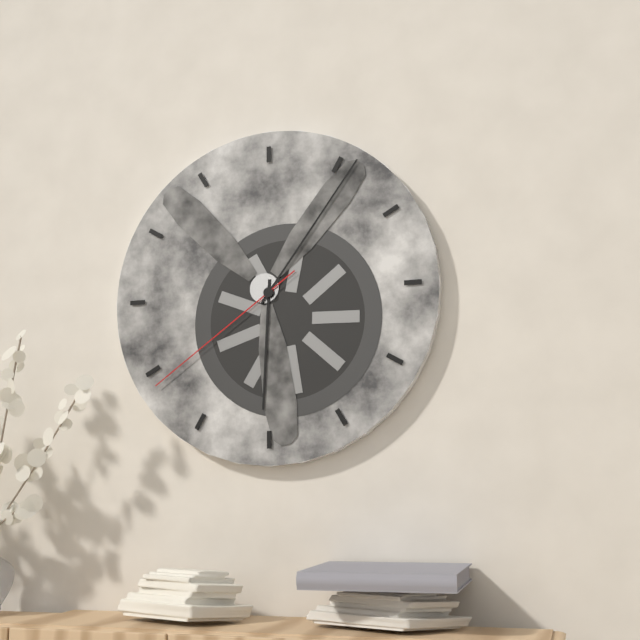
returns 6,06,39
